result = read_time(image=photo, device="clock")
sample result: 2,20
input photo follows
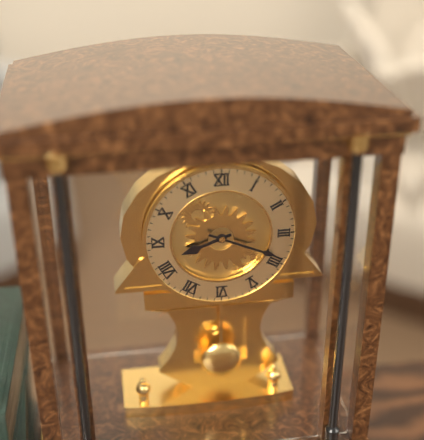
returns 8,19
